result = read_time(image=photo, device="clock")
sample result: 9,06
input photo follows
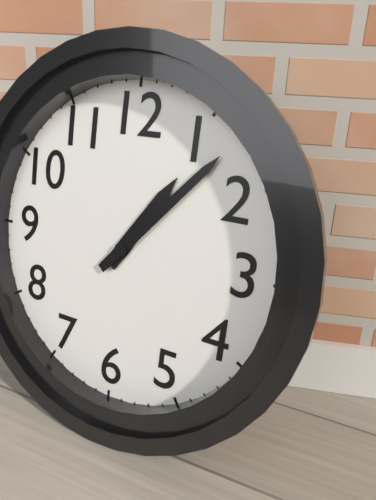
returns 1,07
